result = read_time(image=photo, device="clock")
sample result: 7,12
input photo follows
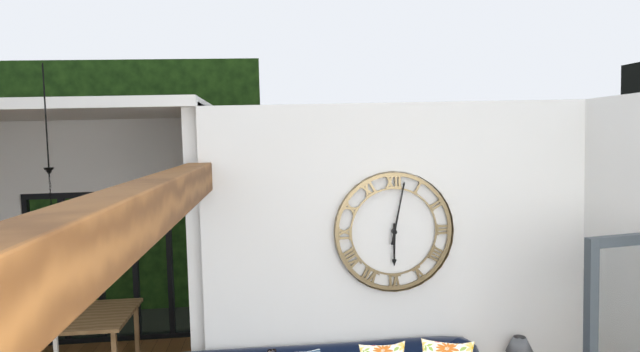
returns 6,02
